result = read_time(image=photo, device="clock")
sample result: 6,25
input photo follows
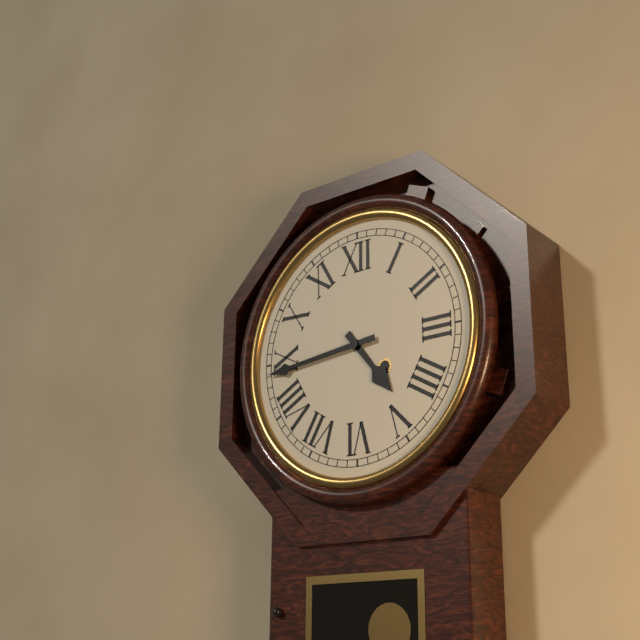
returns 4,44
